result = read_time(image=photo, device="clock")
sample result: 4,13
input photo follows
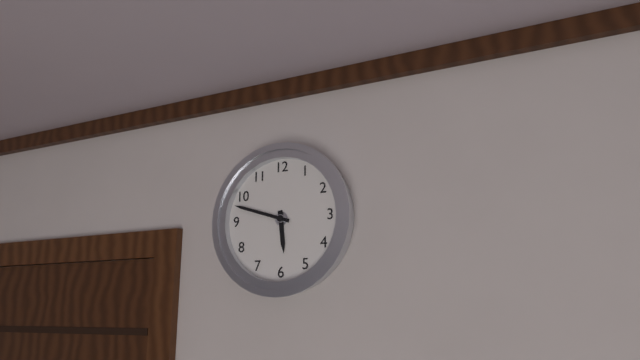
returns 5,48
